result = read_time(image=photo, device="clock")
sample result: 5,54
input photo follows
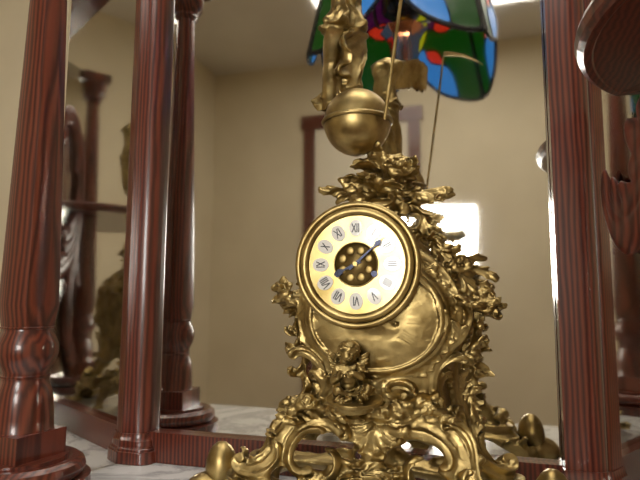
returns 8,08
